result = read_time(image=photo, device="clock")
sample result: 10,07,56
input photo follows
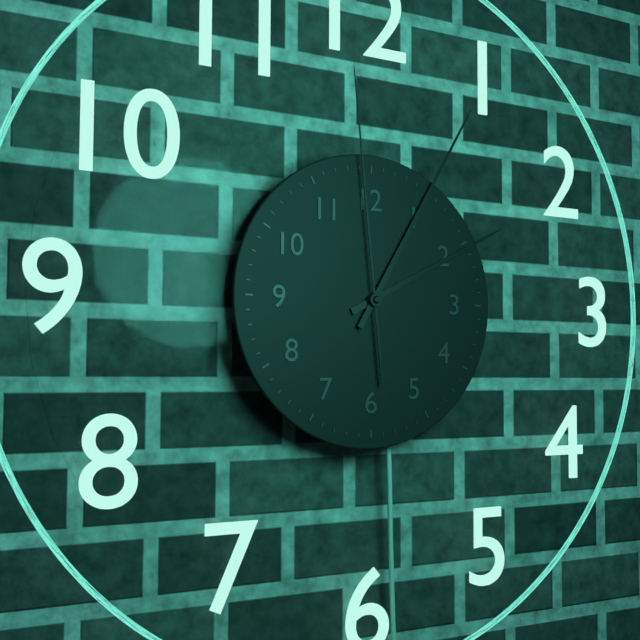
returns 2,05,59
